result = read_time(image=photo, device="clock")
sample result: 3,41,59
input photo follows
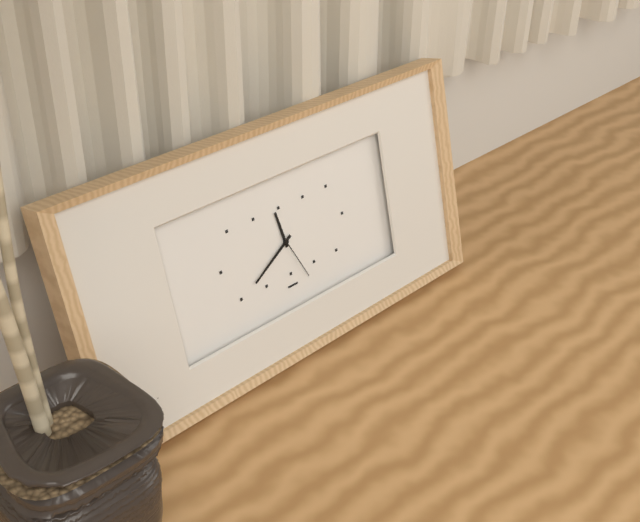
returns 11,40,26
